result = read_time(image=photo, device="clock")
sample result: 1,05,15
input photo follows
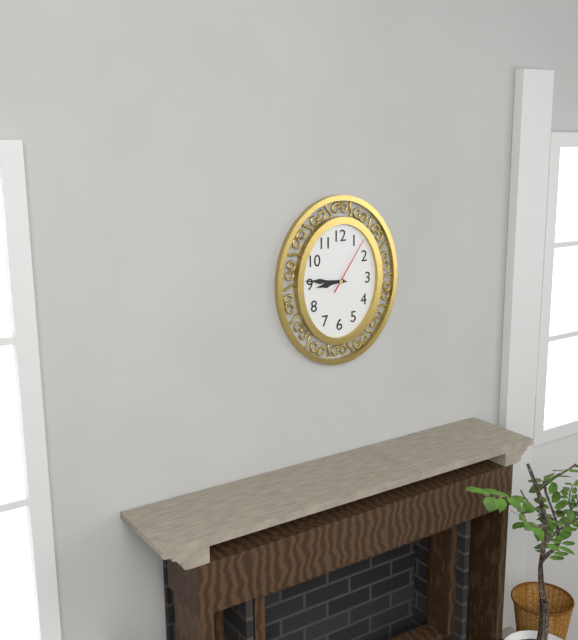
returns 8,46,06
